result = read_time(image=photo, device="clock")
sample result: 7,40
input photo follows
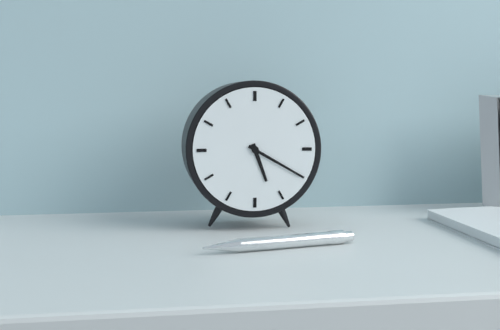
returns 5,20
